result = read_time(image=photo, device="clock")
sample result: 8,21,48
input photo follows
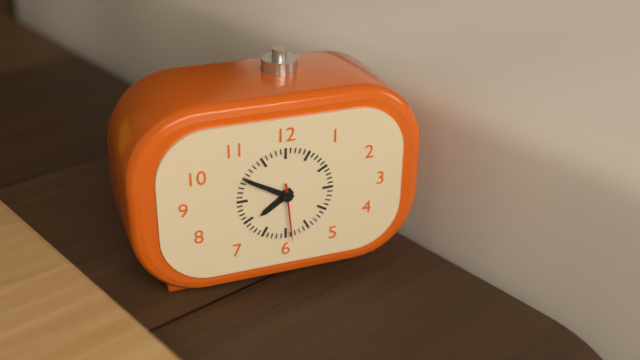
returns 7,50,29
